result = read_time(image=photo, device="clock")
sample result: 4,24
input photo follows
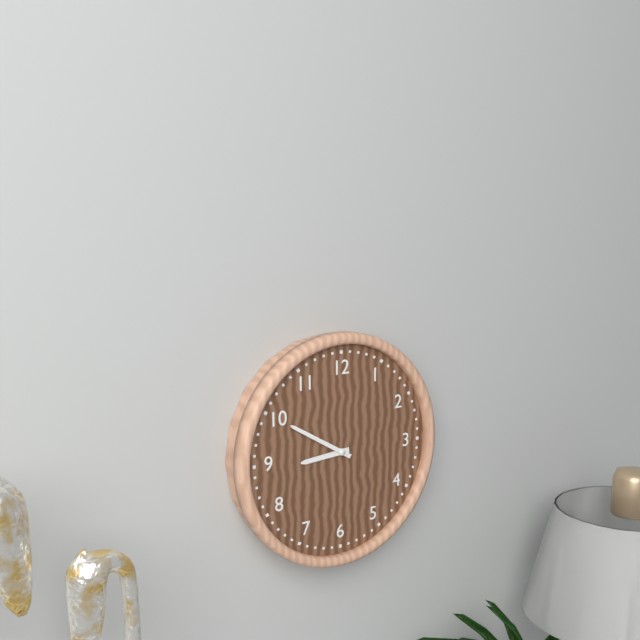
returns 8,50
